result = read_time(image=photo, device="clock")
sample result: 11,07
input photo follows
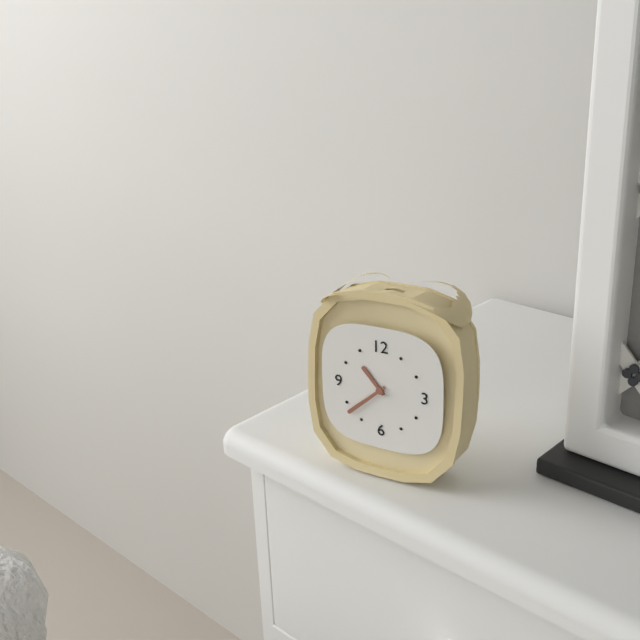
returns 10,38
